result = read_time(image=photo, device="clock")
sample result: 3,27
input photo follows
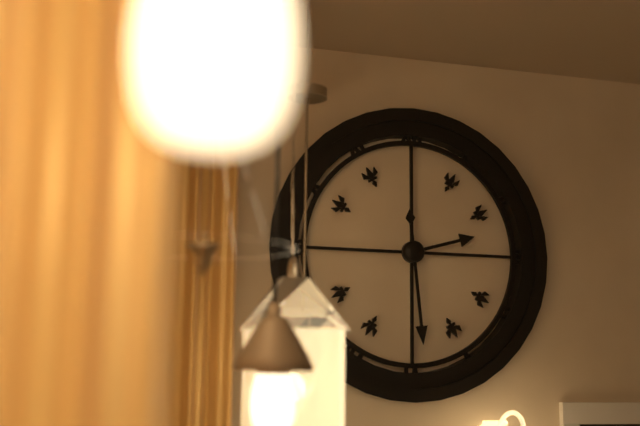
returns 2,29
